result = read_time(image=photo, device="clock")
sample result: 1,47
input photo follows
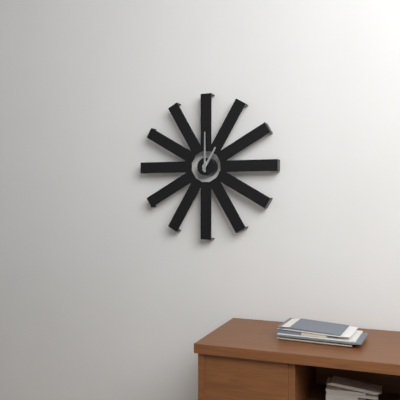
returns 1,00
